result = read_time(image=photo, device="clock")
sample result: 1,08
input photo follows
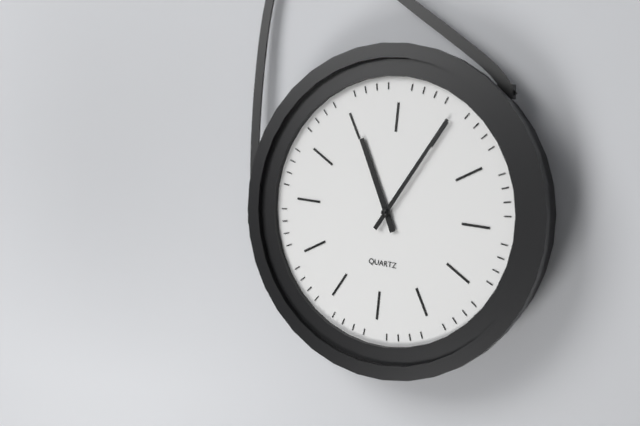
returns 11,05
